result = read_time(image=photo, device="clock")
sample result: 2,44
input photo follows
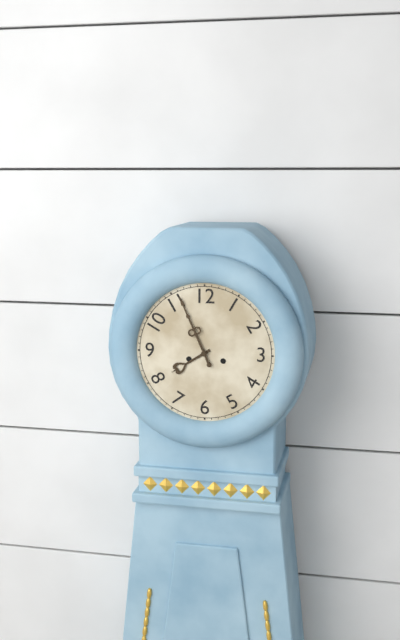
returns 7,56
